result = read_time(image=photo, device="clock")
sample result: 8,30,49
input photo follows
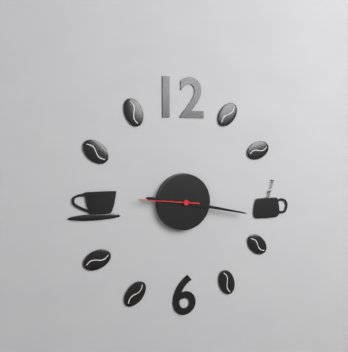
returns 9,17,46
